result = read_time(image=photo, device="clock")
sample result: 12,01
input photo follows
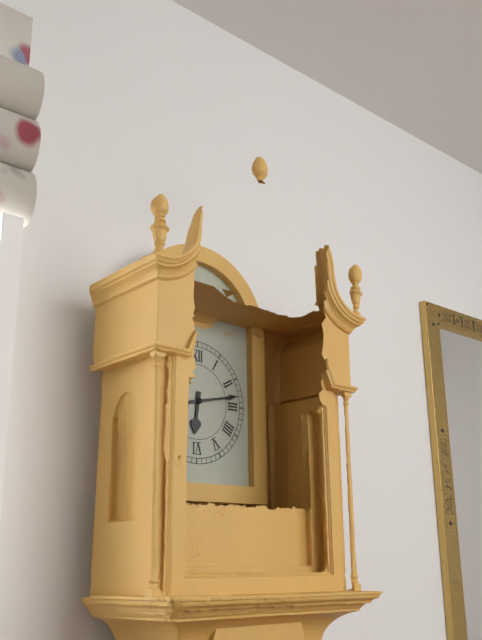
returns 6,13
